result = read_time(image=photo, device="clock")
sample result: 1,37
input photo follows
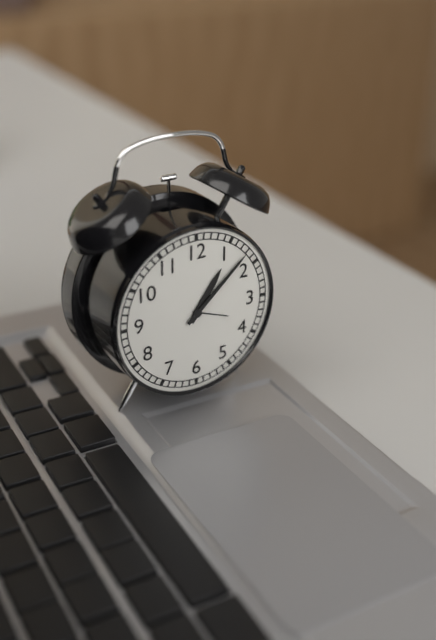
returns 1,08
